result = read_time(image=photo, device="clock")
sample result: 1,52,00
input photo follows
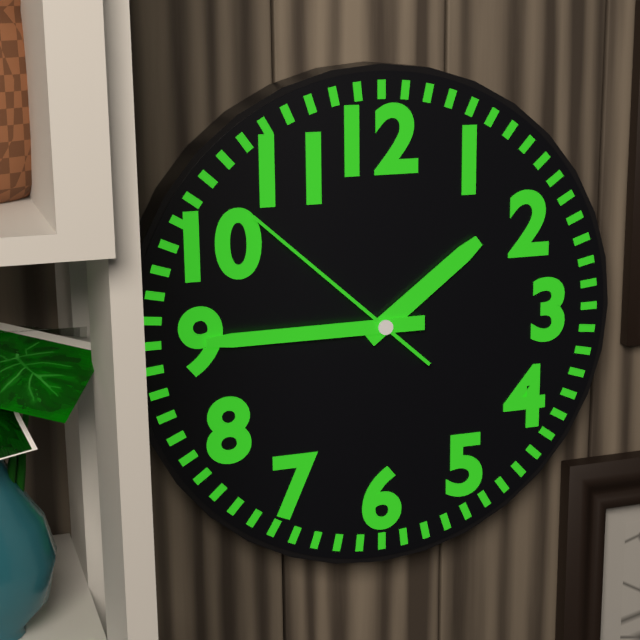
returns 1,45,52
